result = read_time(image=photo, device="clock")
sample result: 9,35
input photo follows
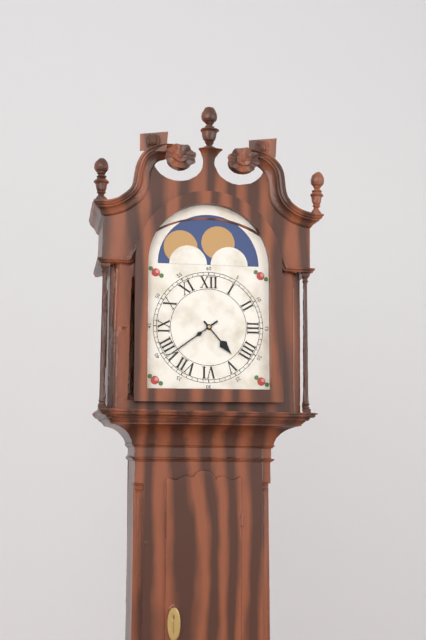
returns 4,39
